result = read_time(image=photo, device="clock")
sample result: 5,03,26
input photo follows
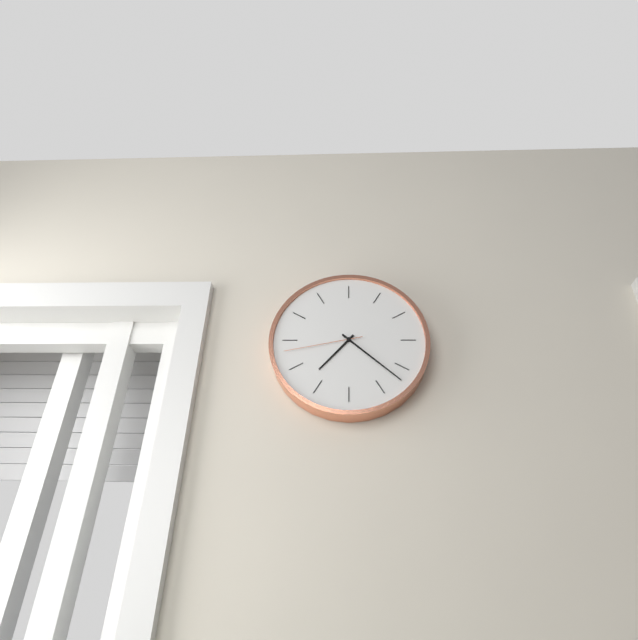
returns 7,22,43
